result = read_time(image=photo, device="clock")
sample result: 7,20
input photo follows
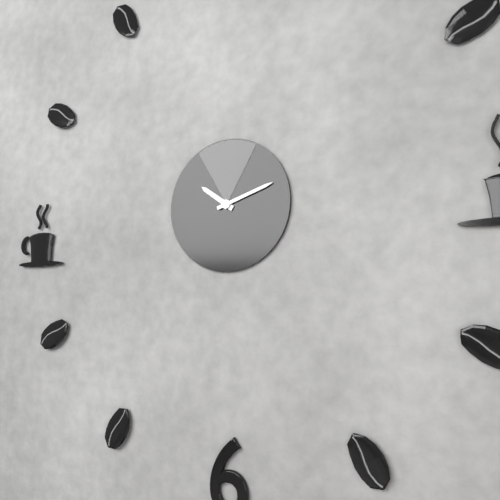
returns 10,12
